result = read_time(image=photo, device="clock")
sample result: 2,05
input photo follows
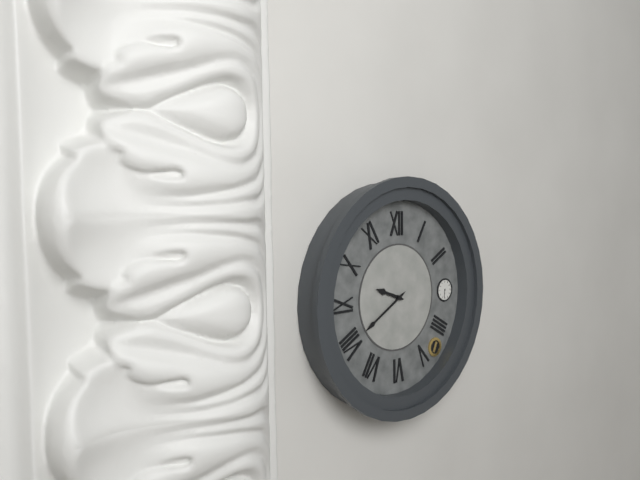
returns 9,40
